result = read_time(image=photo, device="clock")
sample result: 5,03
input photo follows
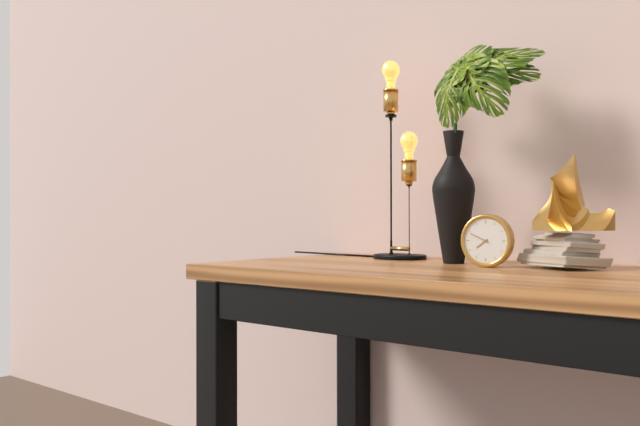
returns 7,49
